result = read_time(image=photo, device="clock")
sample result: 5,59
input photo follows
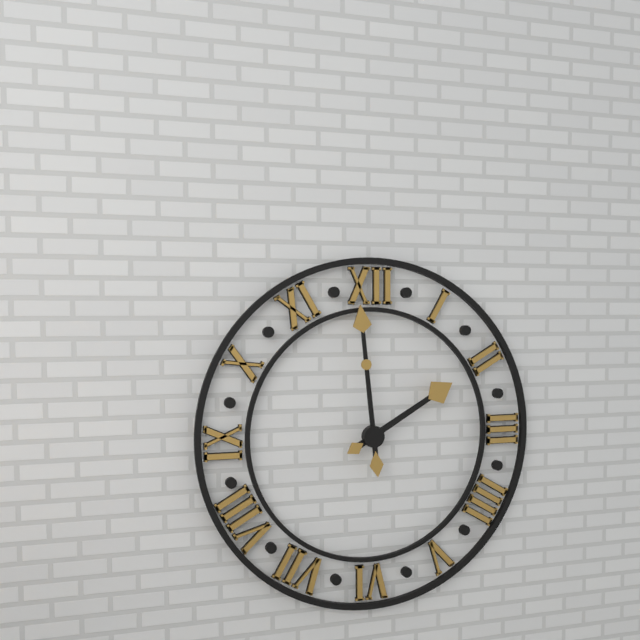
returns 1,59
